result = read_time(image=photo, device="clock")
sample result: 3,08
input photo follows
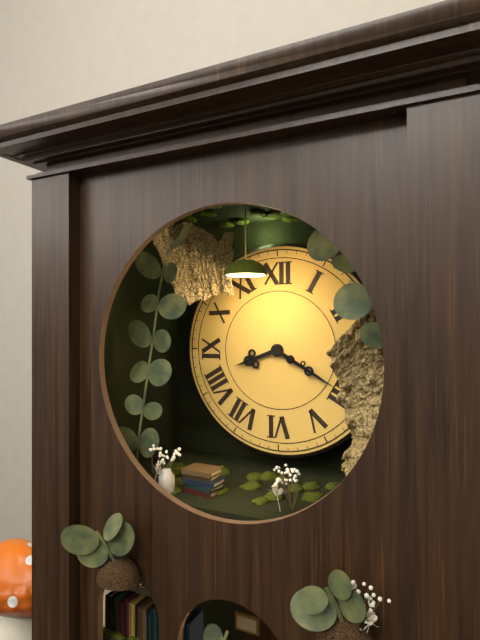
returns 8,20
